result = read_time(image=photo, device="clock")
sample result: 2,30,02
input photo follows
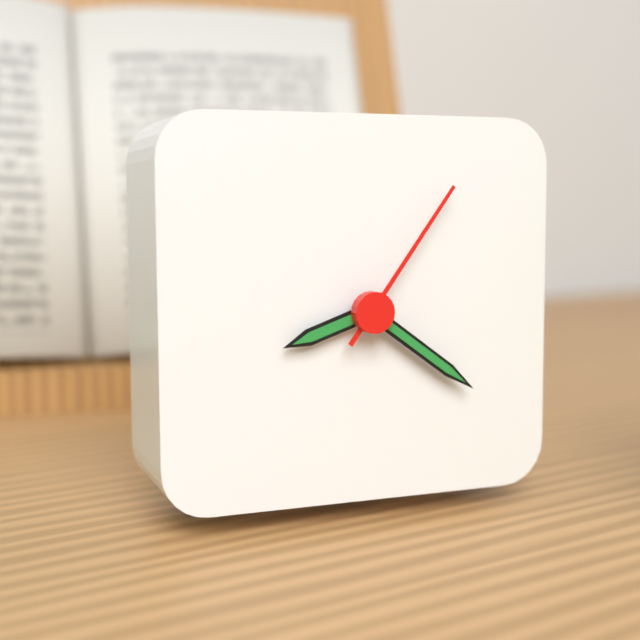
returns 8,21,06
